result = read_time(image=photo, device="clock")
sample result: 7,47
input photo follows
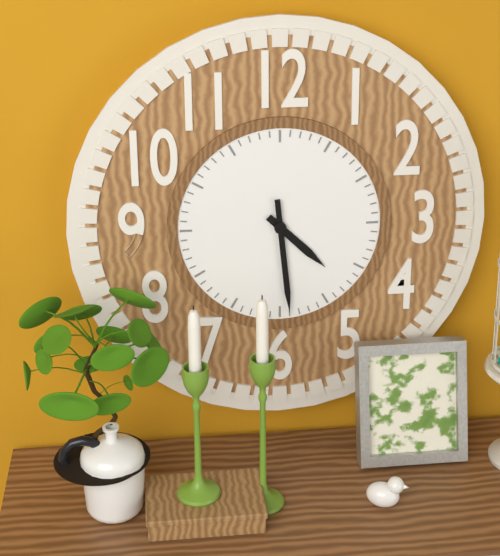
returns 4,29
